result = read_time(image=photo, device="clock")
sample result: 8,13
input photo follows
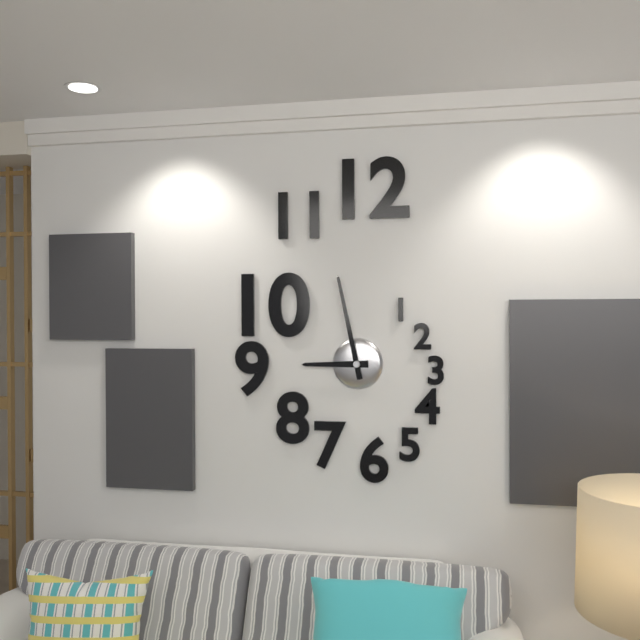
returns 8,58
